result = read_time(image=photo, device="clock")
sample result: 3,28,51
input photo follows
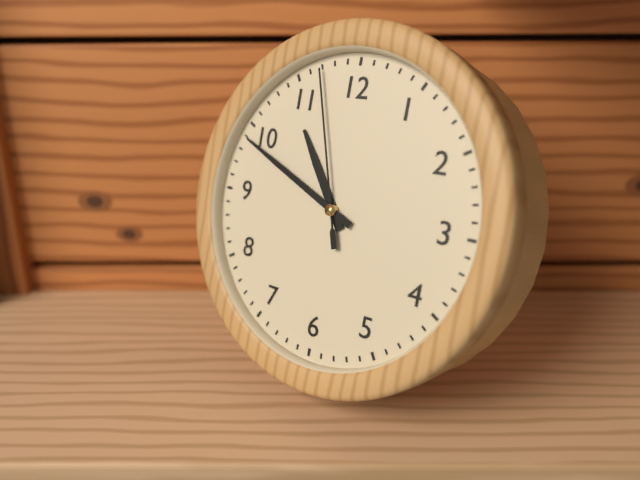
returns 10,49,57
